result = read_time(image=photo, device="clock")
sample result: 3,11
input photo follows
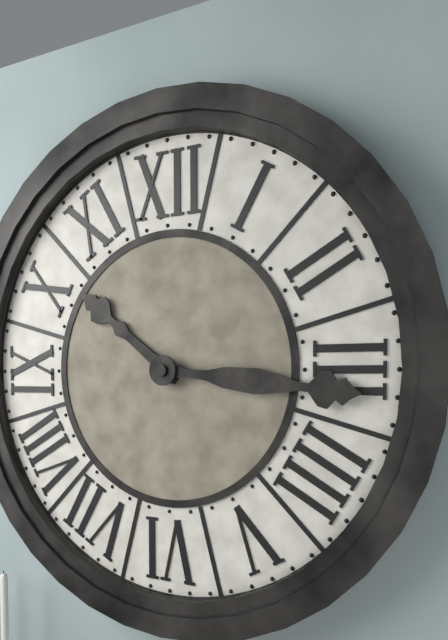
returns 10,16
